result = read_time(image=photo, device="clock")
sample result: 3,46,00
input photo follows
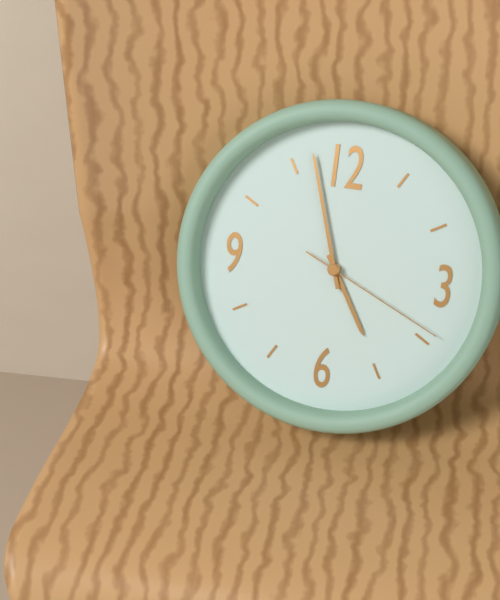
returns 4,57,19
